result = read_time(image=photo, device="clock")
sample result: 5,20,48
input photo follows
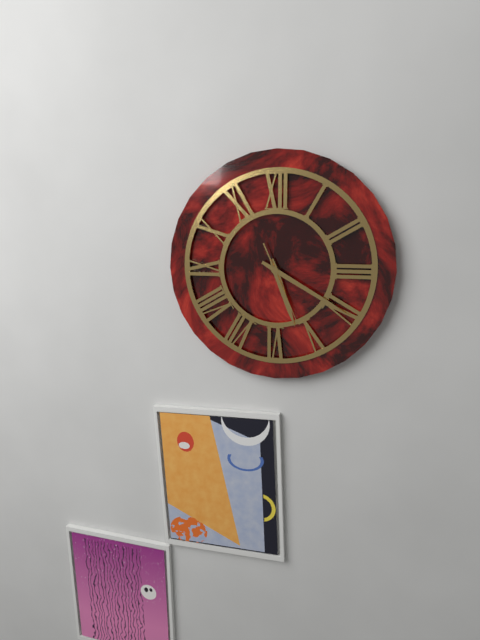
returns 5,20,26
